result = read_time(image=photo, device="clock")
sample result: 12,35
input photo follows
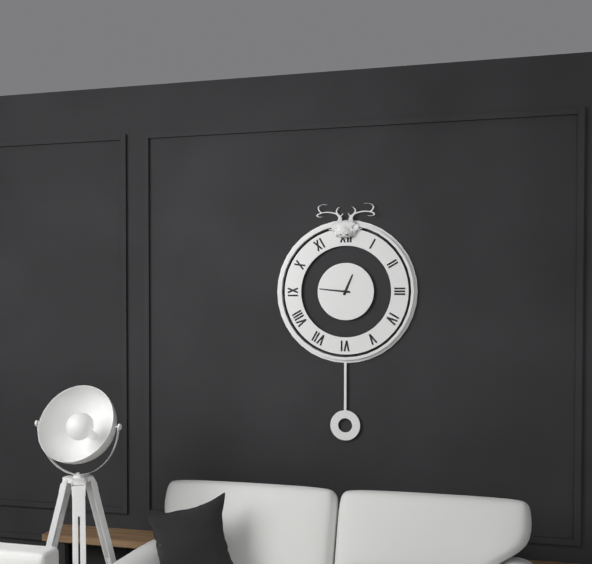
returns 12,46
